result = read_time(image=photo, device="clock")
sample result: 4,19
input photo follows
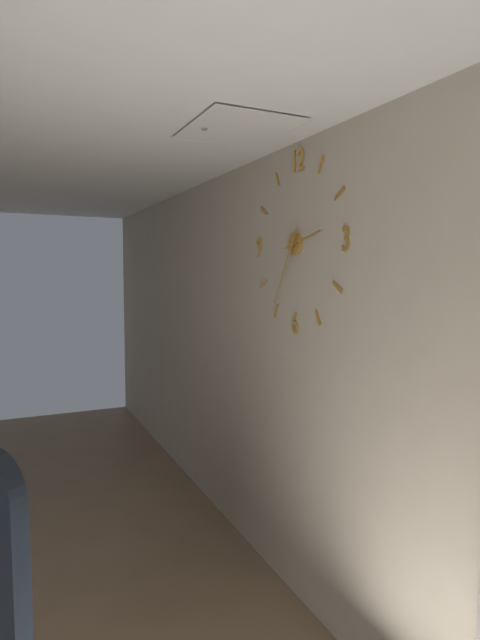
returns 2,35
